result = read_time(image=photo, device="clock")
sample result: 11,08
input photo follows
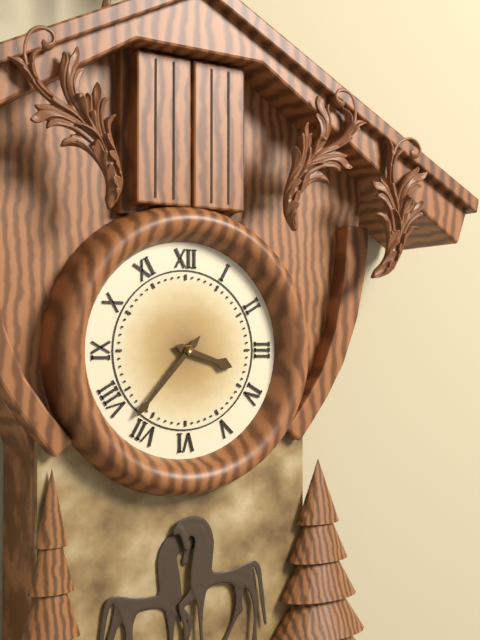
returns 3,37
